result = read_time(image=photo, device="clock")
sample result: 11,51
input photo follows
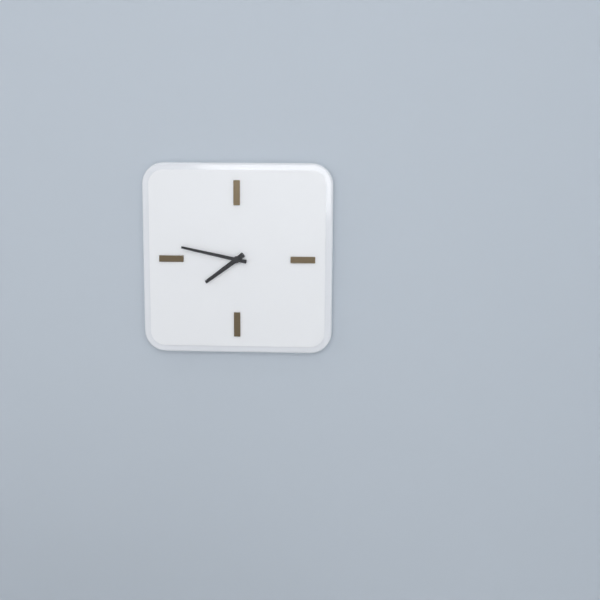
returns 7,47
